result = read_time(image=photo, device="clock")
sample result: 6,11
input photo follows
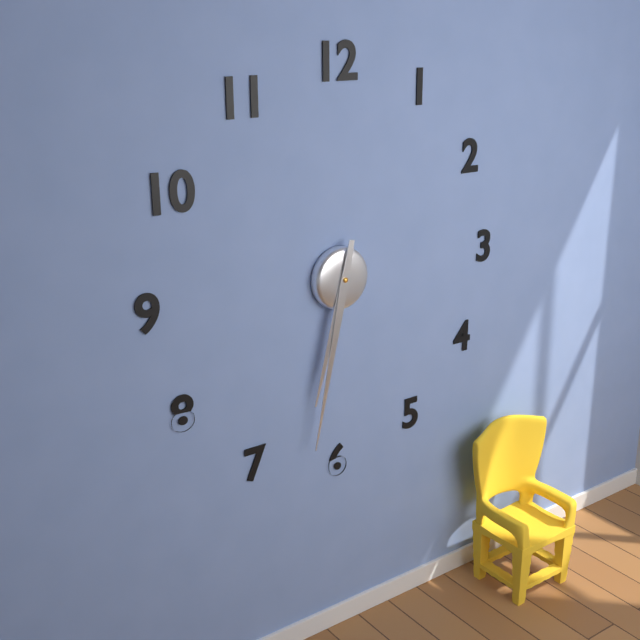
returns 6,32
